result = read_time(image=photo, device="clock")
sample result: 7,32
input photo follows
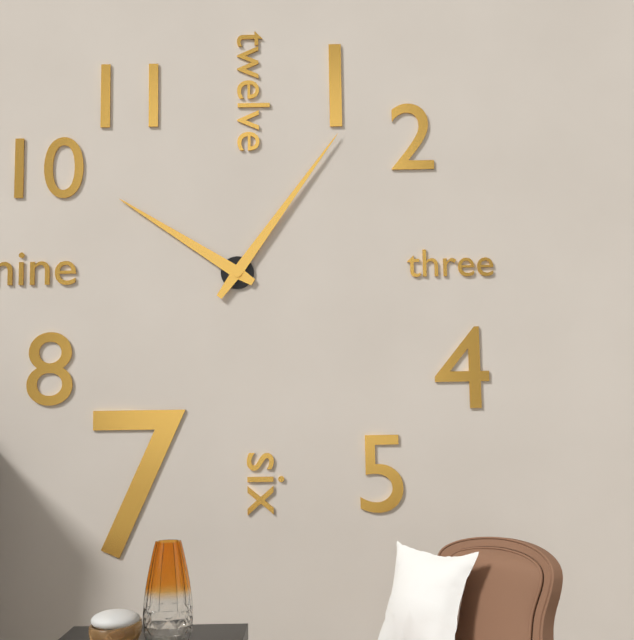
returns 10,06
